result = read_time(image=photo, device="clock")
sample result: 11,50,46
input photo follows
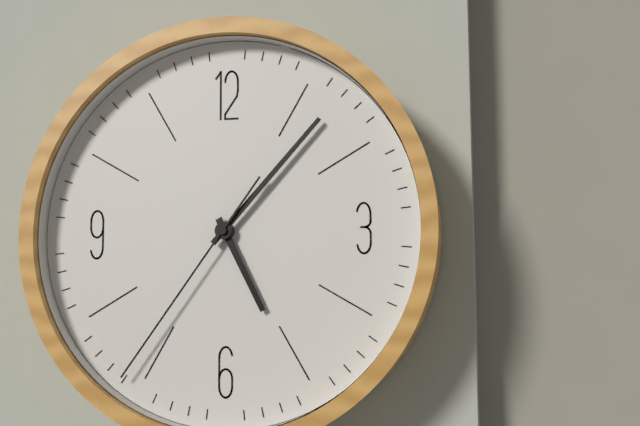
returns 5,07,36
